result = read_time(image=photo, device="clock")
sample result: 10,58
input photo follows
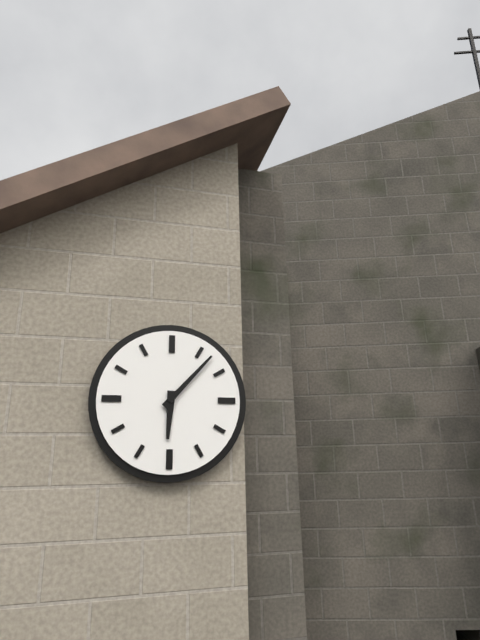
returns 6,07
